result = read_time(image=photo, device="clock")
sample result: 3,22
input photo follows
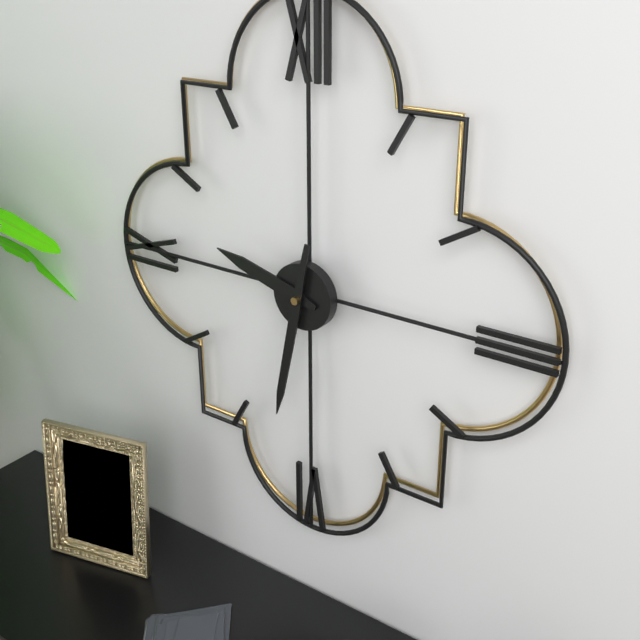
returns 9,32
